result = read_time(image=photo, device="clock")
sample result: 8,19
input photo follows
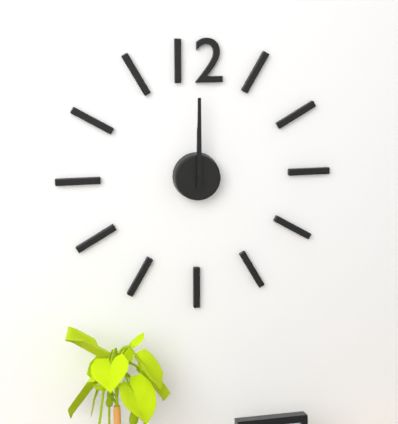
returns 12,00
